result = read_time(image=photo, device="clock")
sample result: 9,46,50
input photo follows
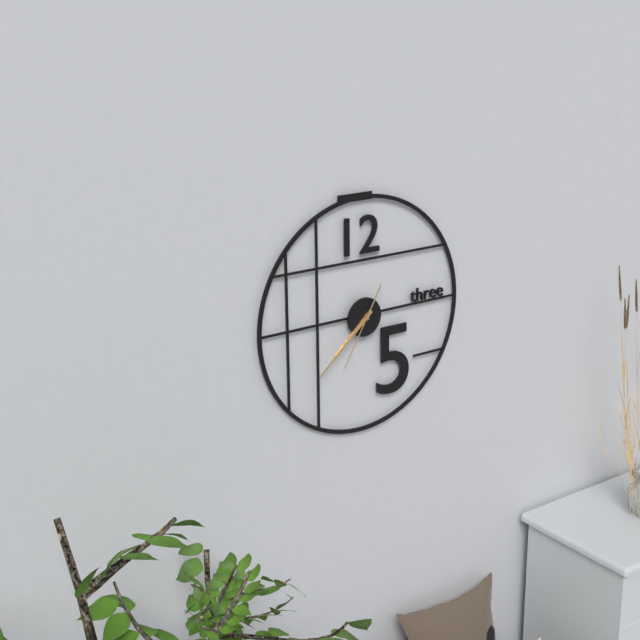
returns 7,38,35
